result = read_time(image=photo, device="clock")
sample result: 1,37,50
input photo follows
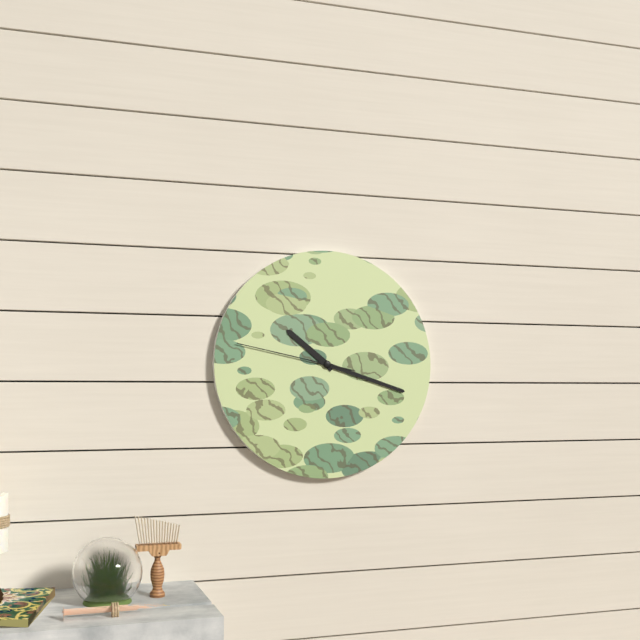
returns 10,18,47
